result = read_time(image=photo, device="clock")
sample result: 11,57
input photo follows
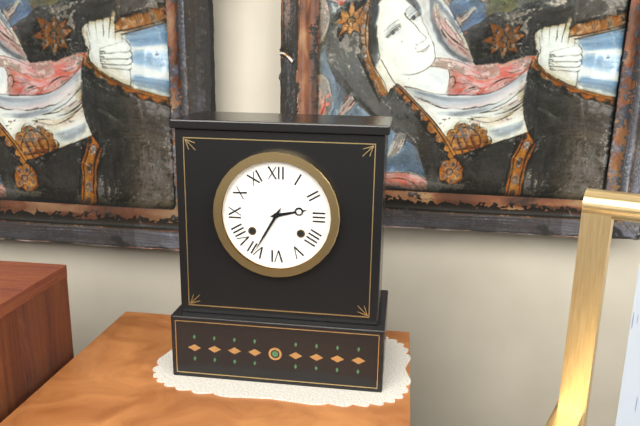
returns 2,35
